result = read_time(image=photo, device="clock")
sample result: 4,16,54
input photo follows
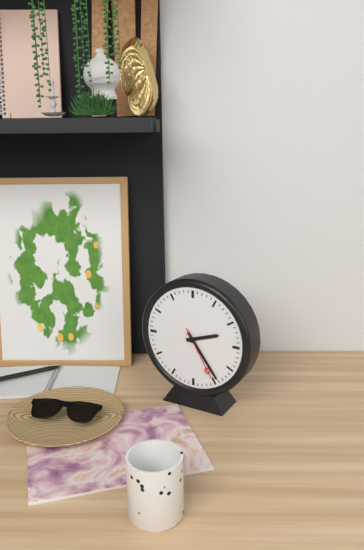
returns 2,24,25
